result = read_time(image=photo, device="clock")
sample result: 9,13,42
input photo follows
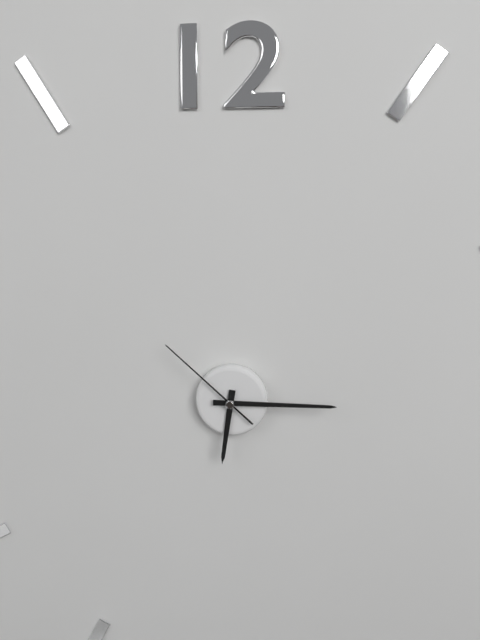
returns 6,15,52
